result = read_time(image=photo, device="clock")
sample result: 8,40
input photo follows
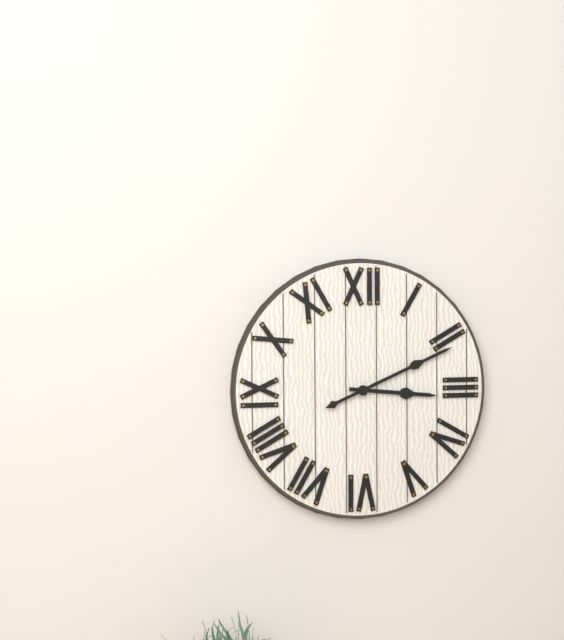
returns 3,11
